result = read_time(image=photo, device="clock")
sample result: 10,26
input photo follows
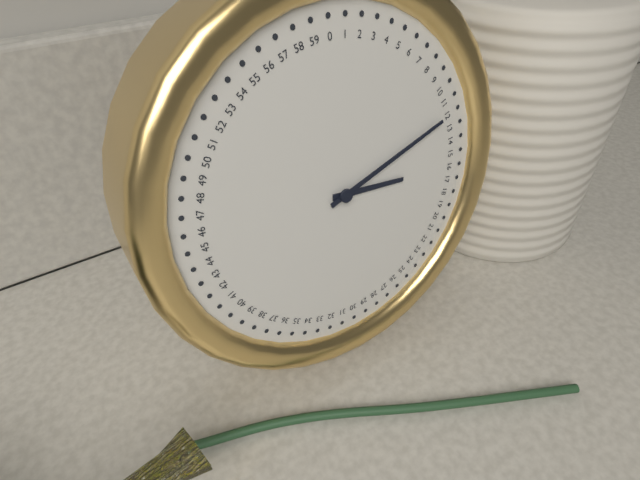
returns 3,12
